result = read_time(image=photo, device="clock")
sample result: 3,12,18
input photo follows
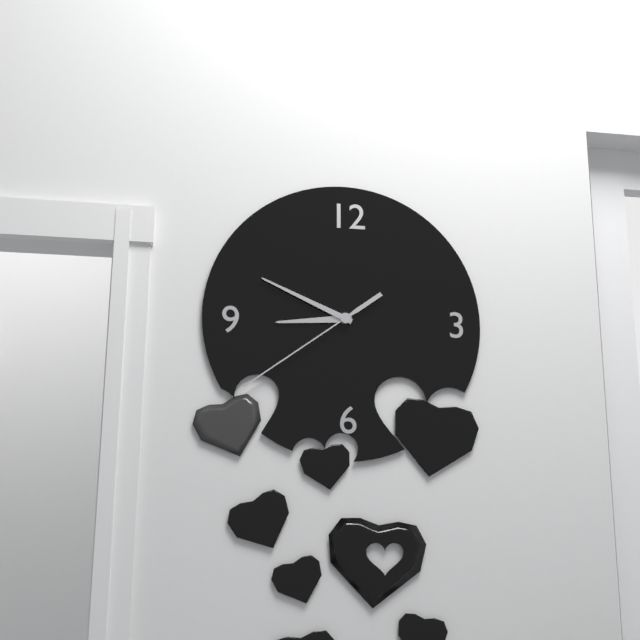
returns 8,49,39
